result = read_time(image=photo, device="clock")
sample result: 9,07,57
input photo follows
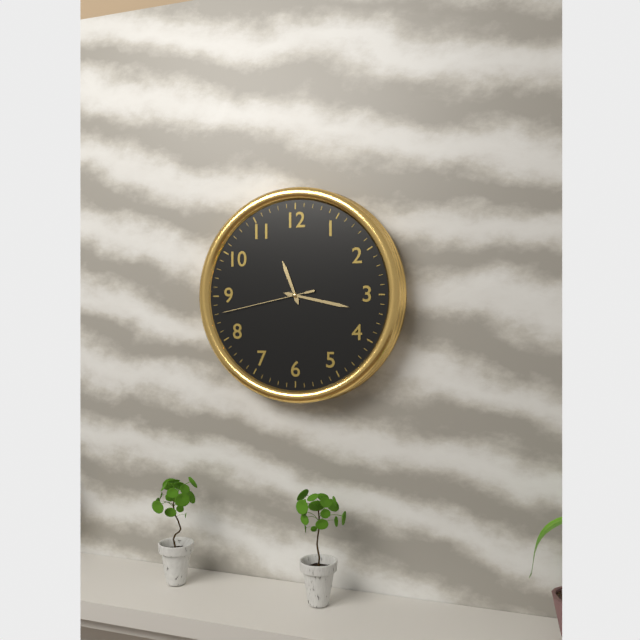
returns 11,17,43
